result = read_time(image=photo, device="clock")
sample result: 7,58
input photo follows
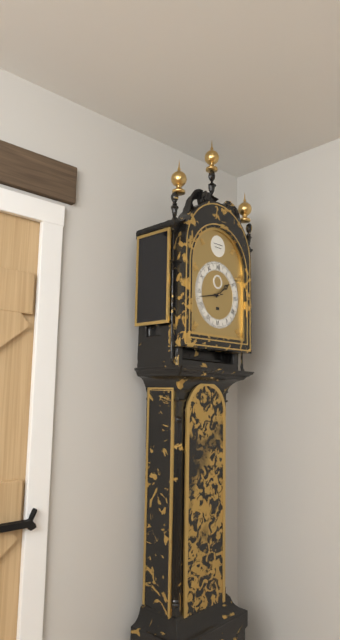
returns 1,43
